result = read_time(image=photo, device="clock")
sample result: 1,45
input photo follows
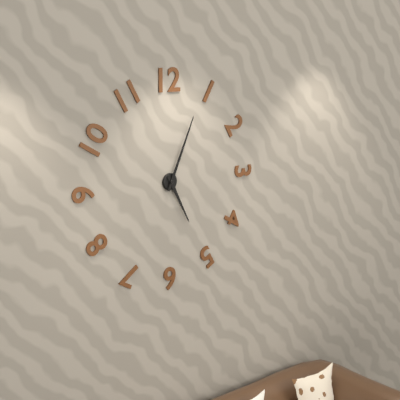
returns 5,04
